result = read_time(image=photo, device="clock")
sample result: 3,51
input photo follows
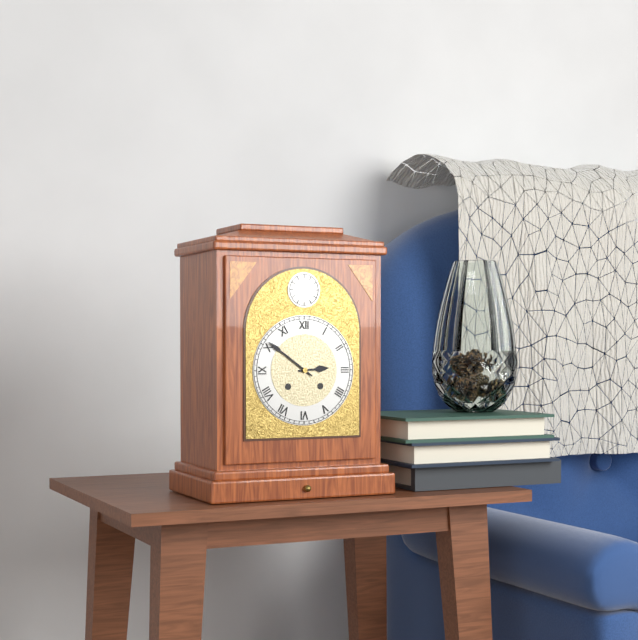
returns 2,51
